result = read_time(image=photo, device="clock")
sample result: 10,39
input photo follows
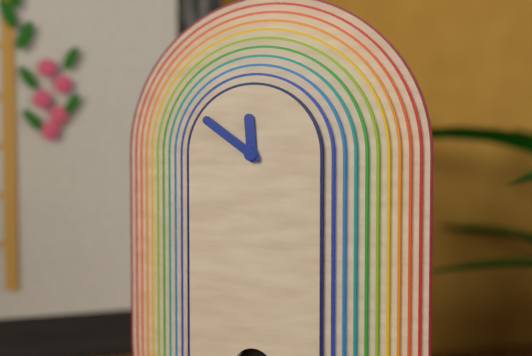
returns 11,51
